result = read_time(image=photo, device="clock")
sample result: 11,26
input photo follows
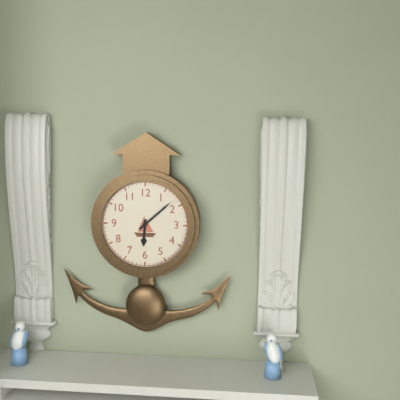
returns 6,08
